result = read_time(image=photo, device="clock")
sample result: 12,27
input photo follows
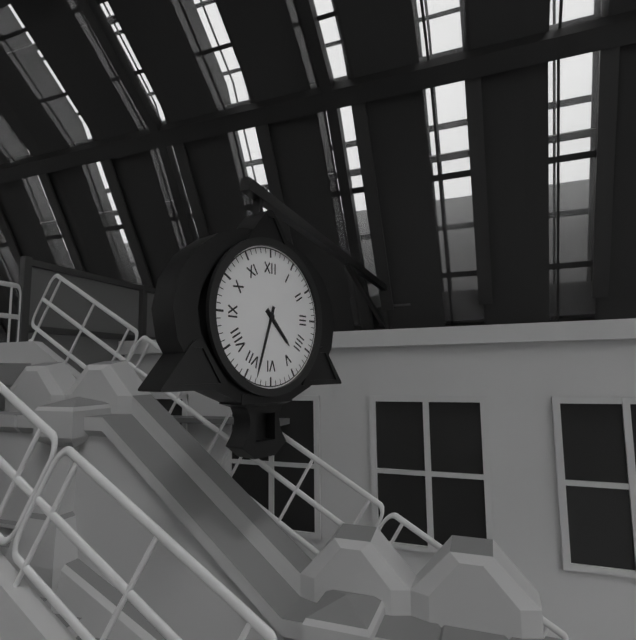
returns 4,33
